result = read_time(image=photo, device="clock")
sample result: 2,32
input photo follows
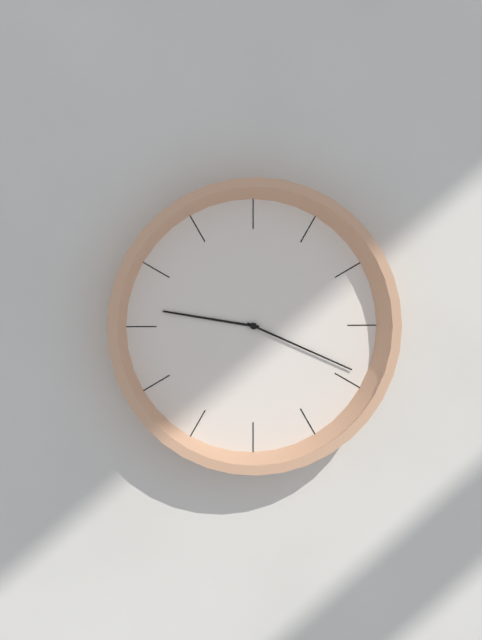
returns 9,19
